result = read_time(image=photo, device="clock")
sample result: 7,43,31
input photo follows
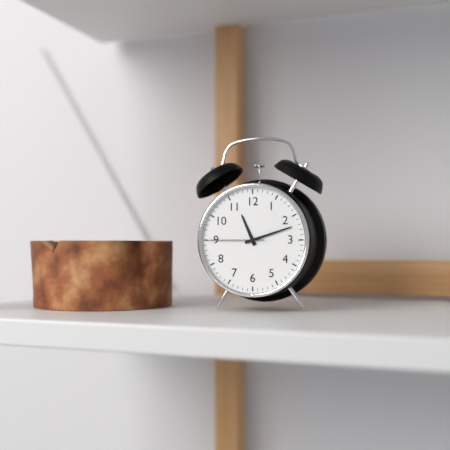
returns 11,12,45
